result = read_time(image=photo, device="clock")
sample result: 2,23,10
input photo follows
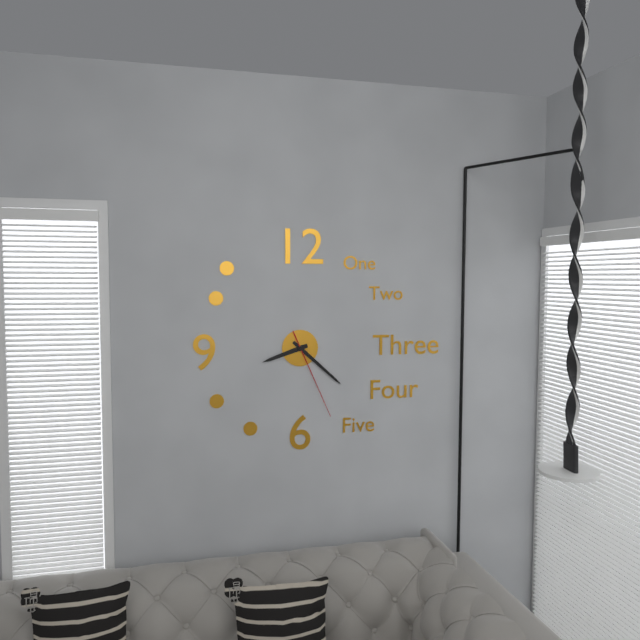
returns 8,22,26
